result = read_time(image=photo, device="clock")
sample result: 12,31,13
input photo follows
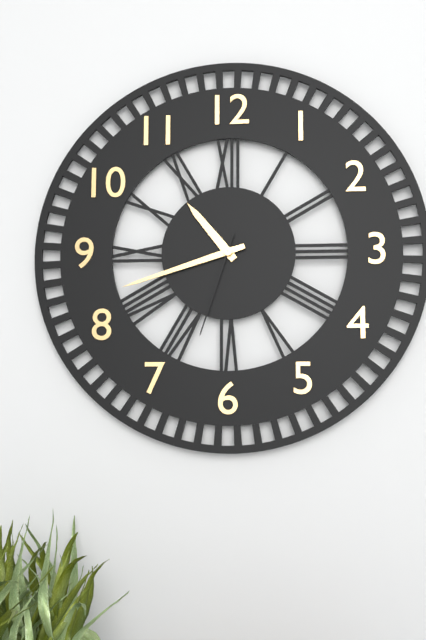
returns 10,42,33
